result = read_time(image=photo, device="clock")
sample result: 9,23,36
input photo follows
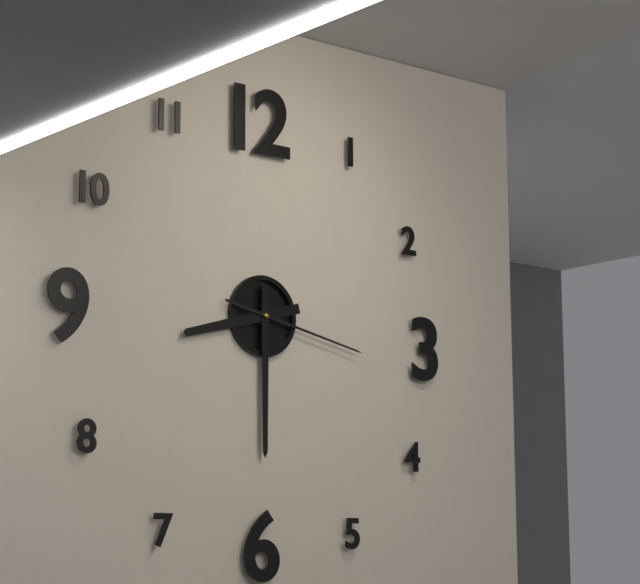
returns 8,30,17
